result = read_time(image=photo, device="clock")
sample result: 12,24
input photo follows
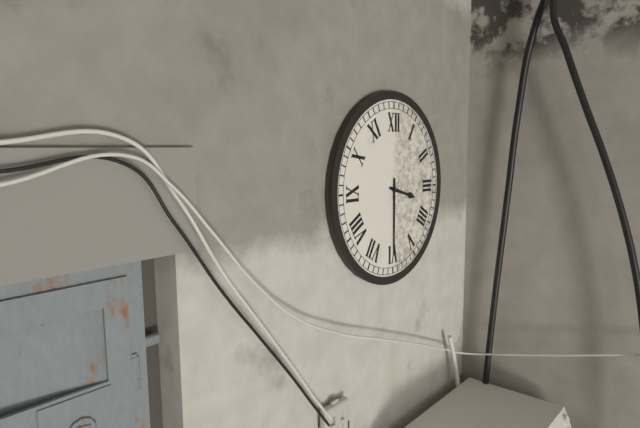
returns 3,30
